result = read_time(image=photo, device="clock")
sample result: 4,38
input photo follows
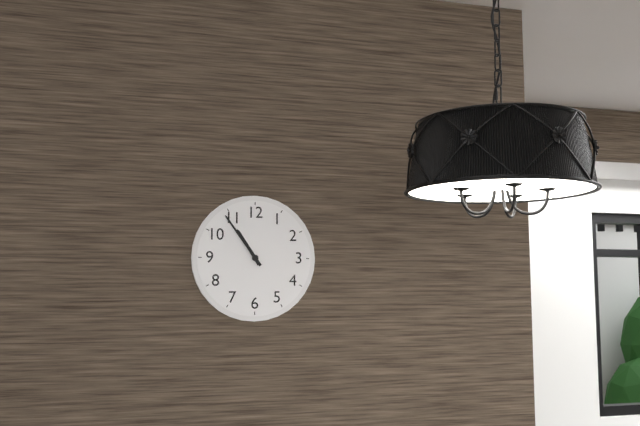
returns 10,54
